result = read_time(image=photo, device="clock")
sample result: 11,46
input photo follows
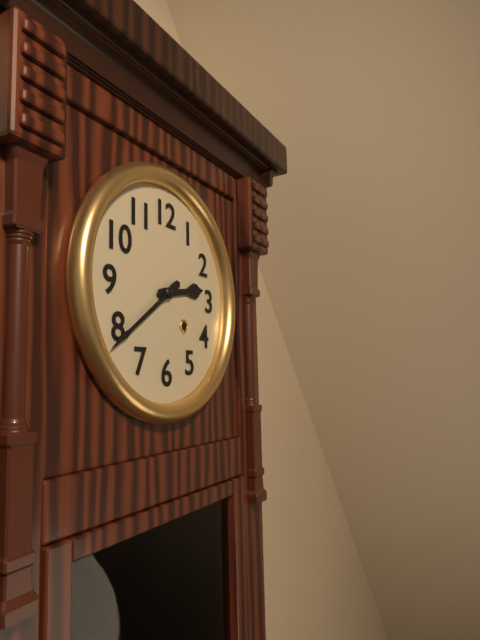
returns 2,39
